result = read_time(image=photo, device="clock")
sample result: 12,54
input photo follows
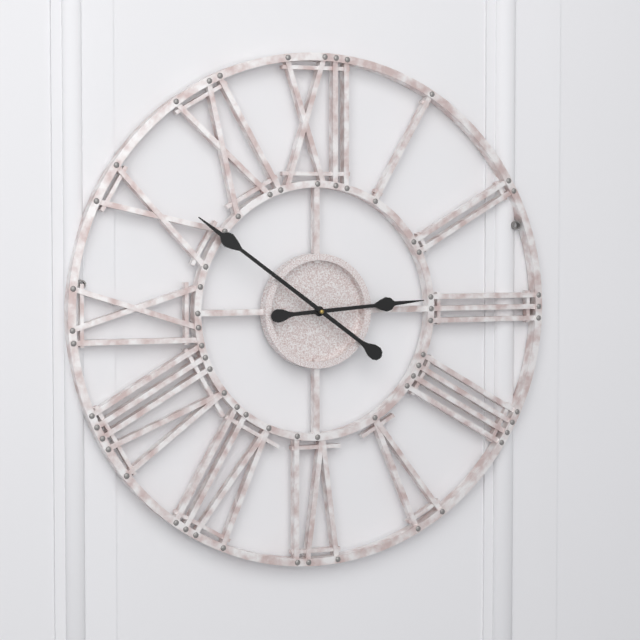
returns 2,51
